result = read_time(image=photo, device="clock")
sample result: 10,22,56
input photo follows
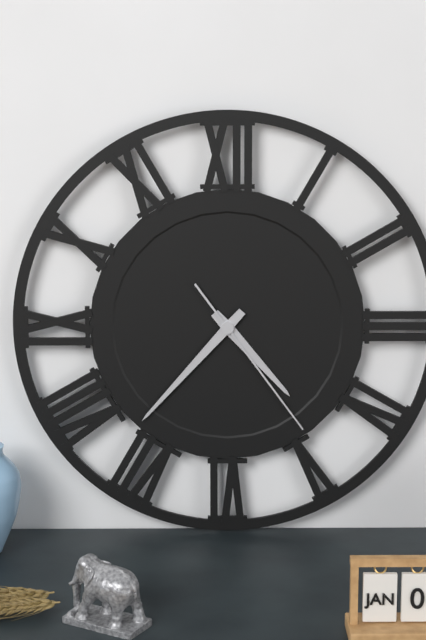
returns 4,37,24
